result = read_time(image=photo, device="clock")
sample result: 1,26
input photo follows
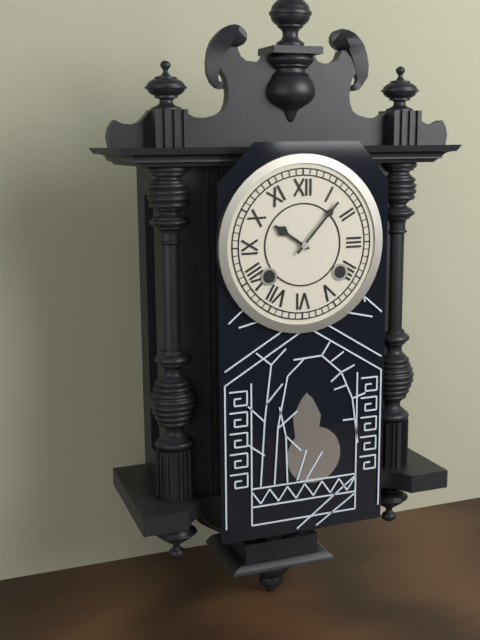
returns 10,07
